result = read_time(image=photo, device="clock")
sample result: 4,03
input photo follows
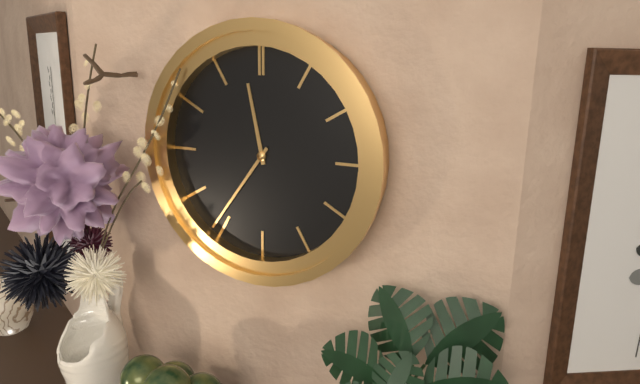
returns 11,36
